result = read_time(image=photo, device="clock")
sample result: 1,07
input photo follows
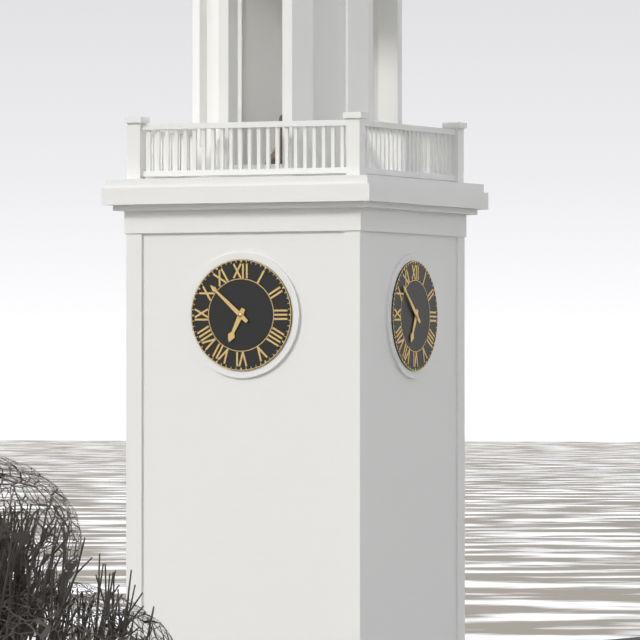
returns 6,52
